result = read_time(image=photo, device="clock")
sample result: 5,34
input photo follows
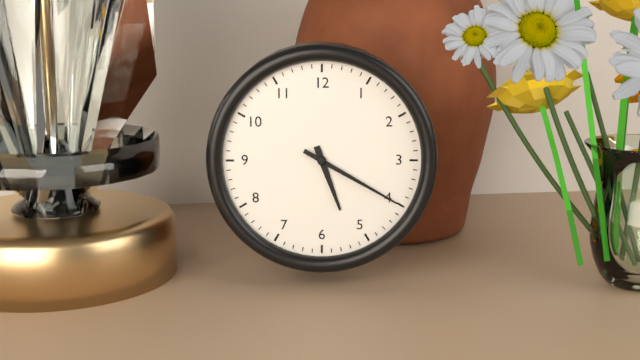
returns 5,20
